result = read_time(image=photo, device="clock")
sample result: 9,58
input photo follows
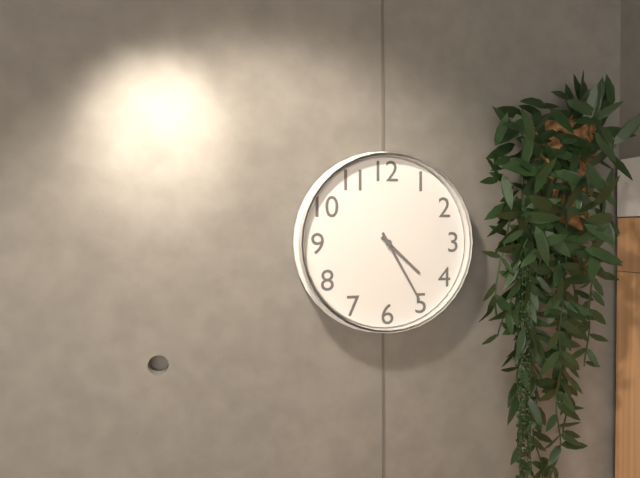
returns 4,25
